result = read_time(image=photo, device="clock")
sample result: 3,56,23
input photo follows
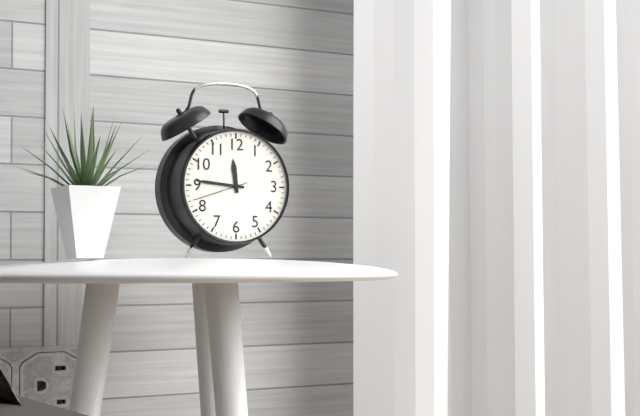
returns 11,46,42
